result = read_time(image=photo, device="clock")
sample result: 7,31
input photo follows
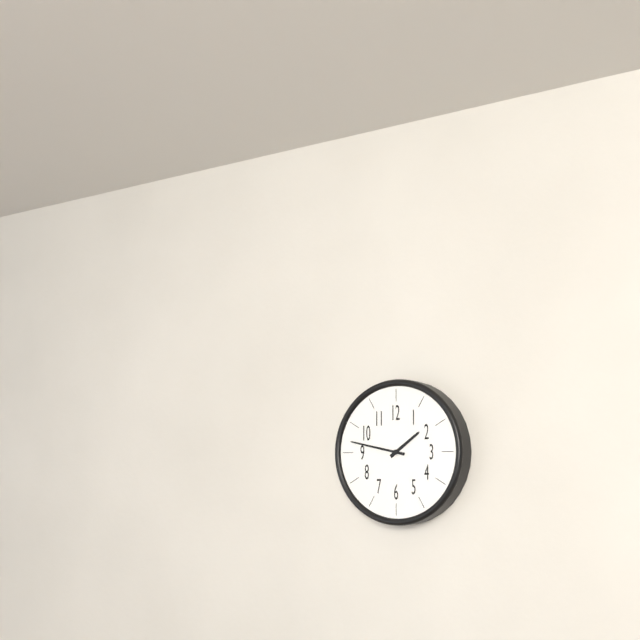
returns 1,47
